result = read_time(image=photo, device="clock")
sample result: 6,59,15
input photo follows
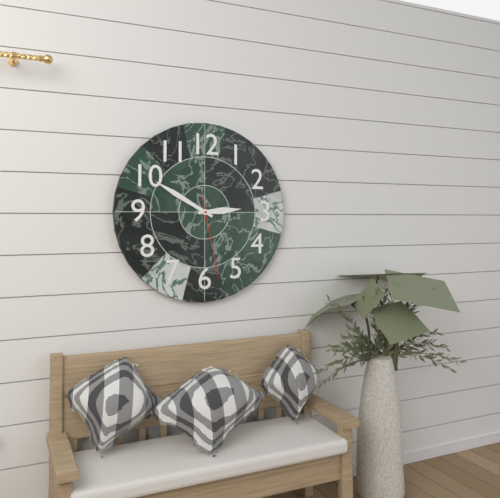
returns 2,50,28
